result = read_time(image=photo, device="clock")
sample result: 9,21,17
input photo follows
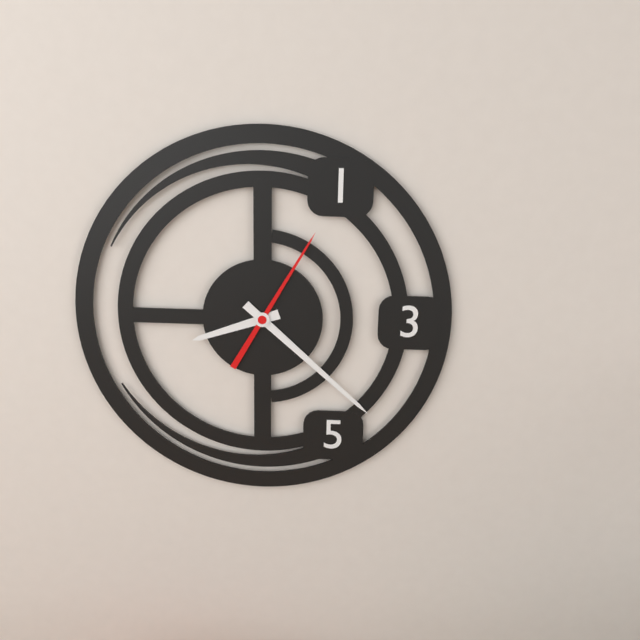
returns 8,22,05
